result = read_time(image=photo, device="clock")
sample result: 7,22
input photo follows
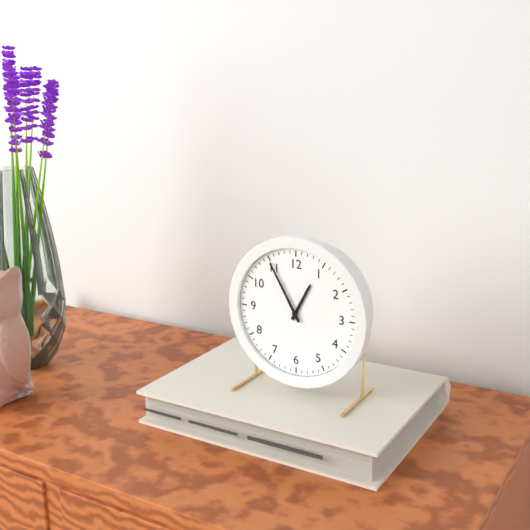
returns 12,55
